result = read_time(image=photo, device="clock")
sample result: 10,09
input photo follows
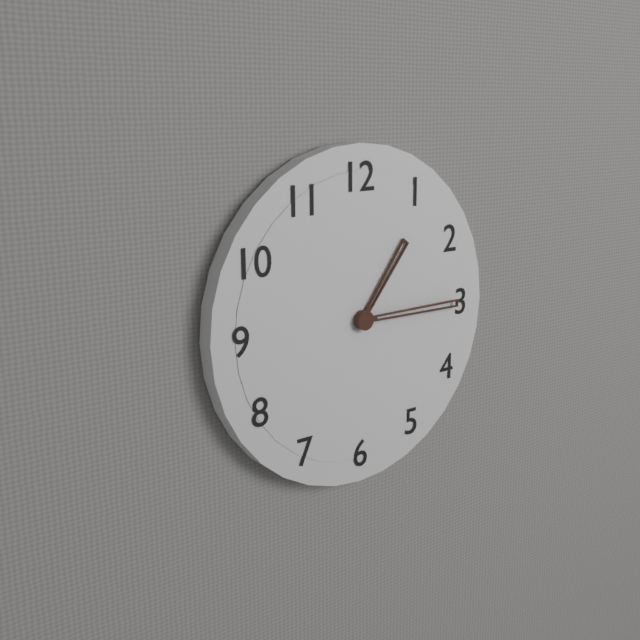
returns 1,15
